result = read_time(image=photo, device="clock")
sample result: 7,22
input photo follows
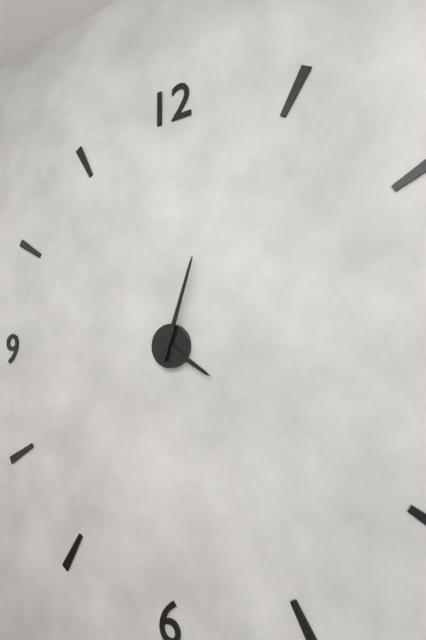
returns 4,03
